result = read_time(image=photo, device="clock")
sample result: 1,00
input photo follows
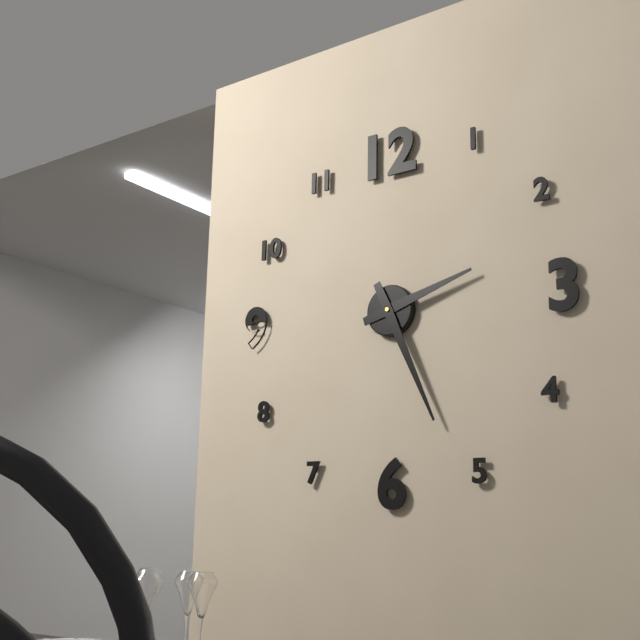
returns 2,26
